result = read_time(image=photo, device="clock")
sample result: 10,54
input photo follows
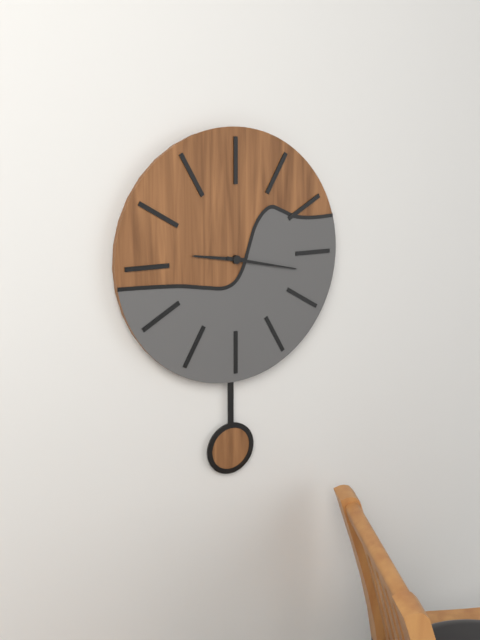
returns 9,17
